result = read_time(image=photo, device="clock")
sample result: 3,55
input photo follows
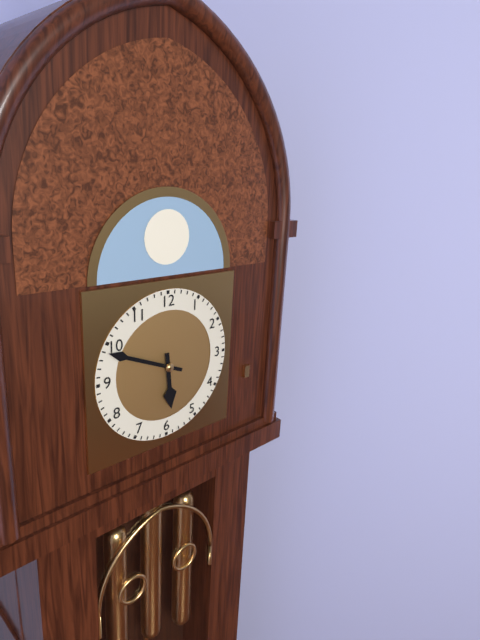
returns 5,49
